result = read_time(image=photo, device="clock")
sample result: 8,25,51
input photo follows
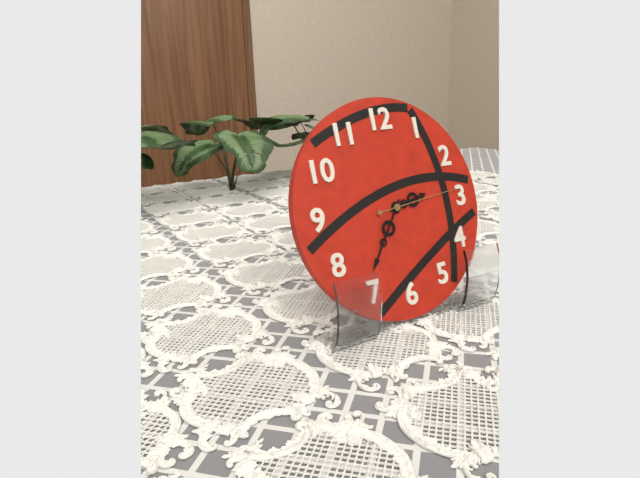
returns 2,36,14
